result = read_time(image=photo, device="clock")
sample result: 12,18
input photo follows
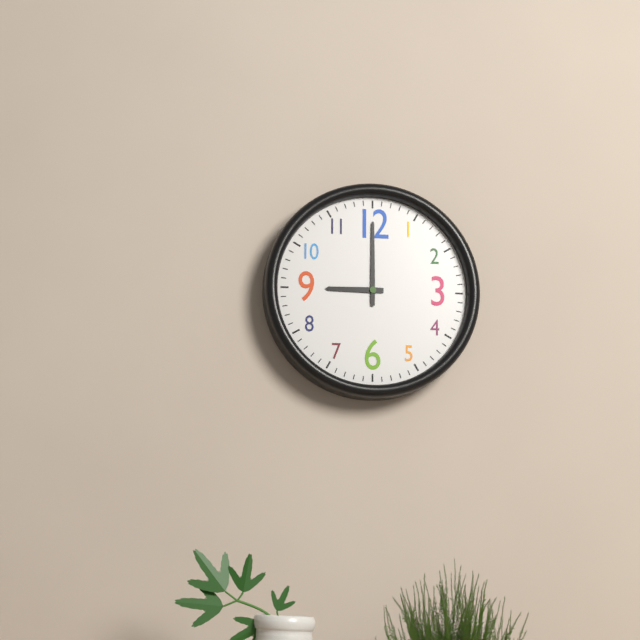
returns 9,00
